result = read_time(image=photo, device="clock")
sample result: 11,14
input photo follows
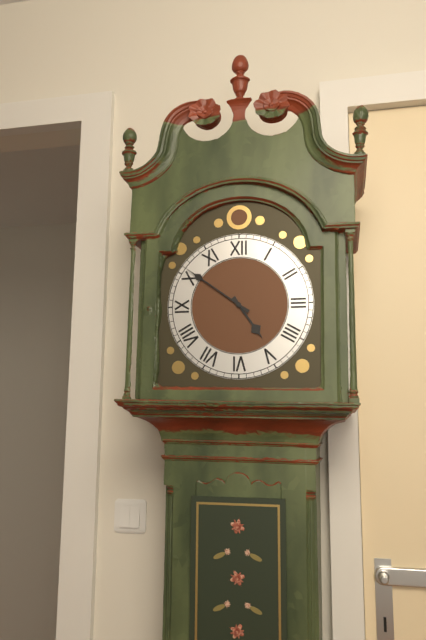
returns 4,51
